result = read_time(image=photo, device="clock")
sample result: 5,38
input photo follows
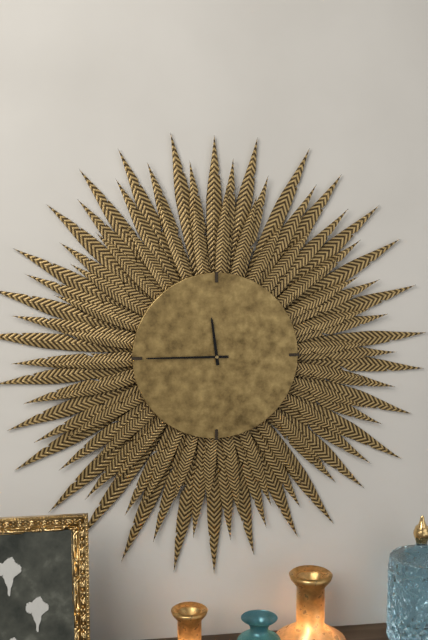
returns 11,45
